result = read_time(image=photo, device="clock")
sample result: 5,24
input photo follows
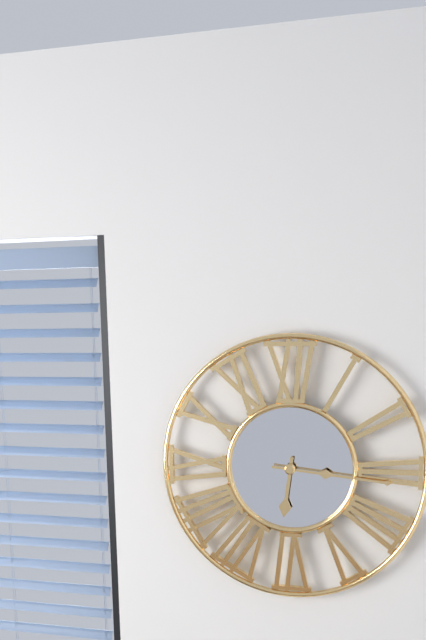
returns 6,16
